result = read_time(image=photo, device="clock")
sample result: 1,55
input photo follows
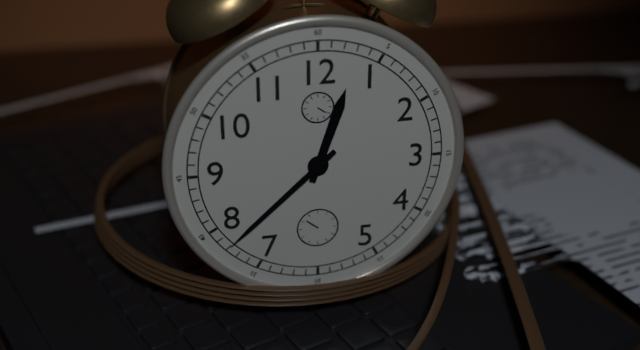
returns 12,38
